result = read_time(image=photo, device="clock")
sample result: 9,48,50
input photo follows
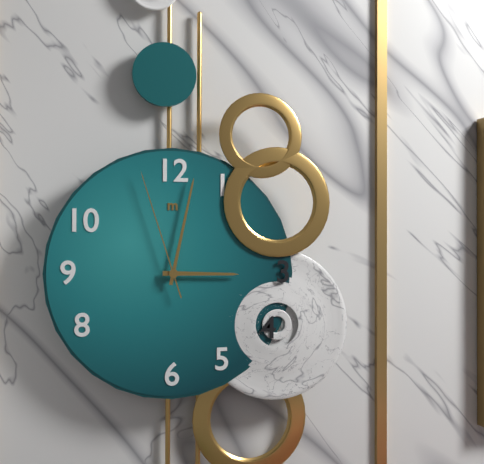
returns 3,02,57
